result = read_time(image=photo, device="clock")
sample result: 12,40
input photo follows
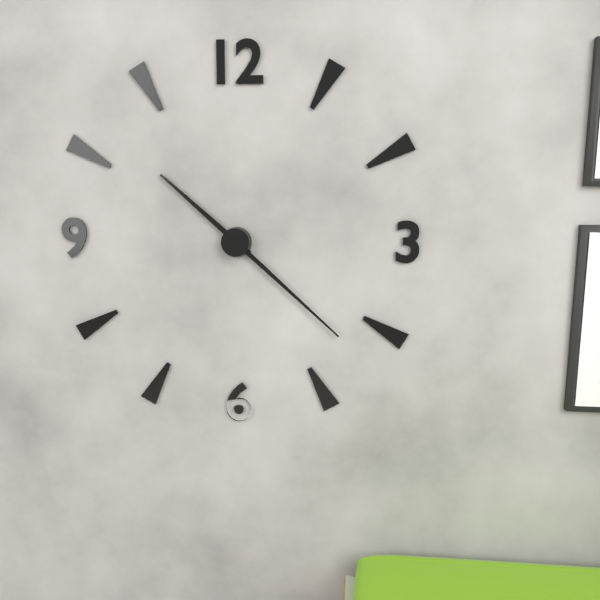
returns 10,22
